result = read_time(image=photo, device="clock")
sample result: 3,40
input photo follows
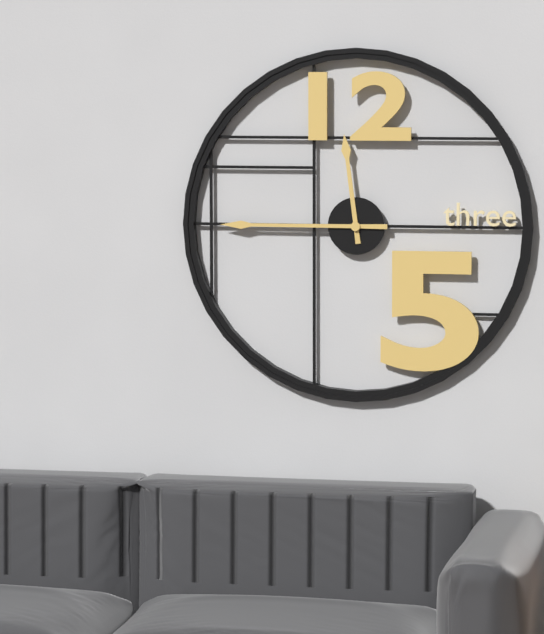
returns 11,45
